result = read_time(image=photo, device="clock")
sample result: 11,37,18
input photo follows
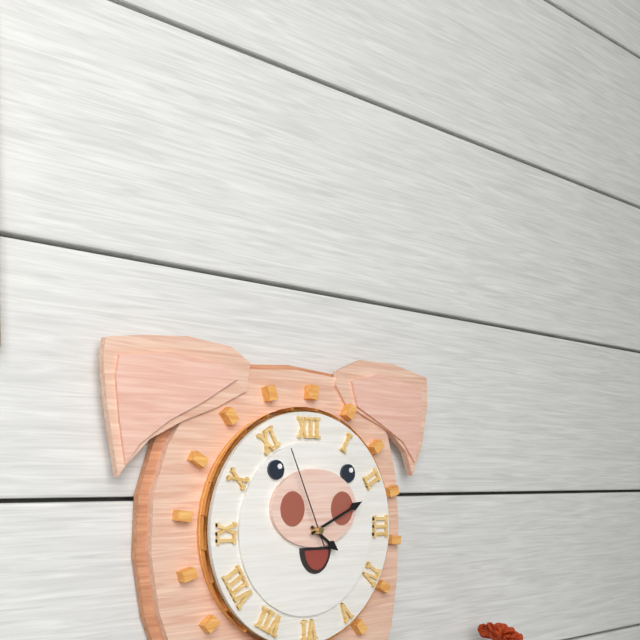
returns 4,11,56
